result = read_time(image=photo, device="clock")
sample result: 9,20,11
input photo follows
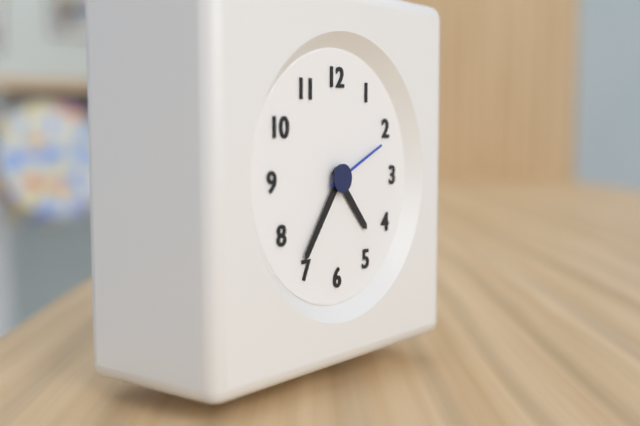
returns 4,36,11
